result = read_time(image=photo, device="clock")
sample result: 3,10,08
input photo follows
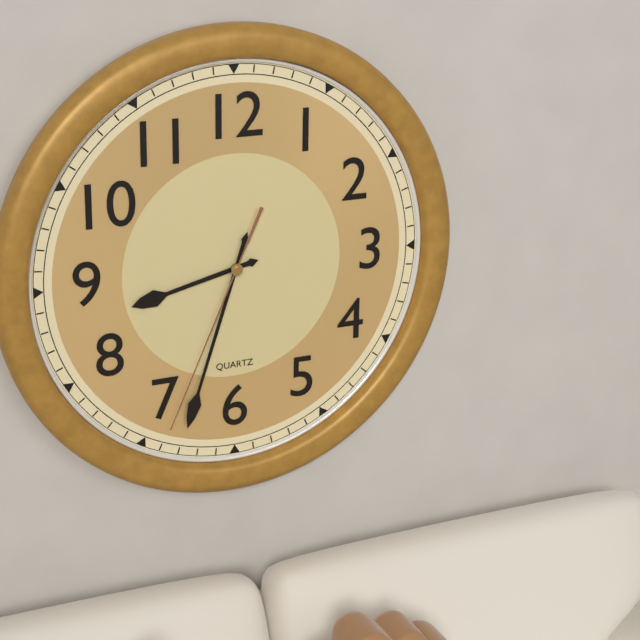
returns 8,33,34
